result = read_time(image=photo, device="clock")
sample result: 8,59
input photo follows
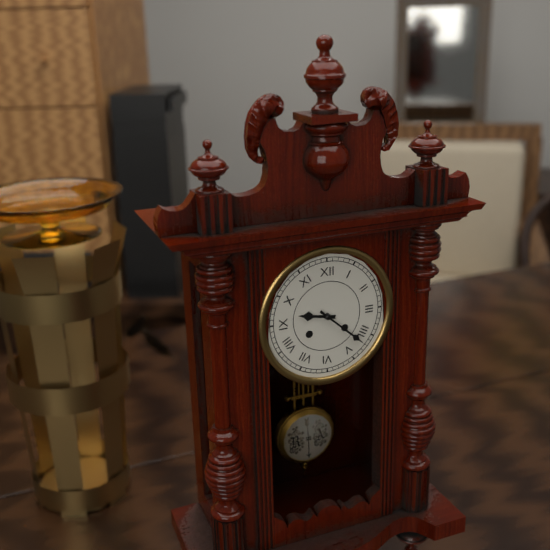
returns 9,22
